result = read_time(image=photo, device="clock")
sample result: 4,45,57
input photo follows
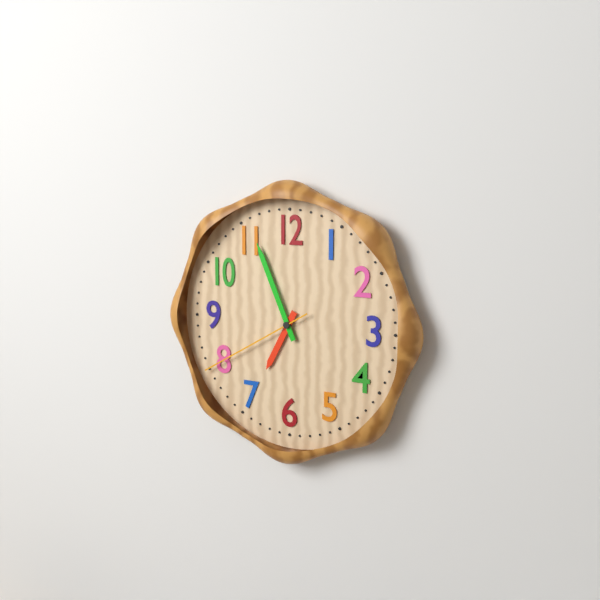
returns 6,56,40
